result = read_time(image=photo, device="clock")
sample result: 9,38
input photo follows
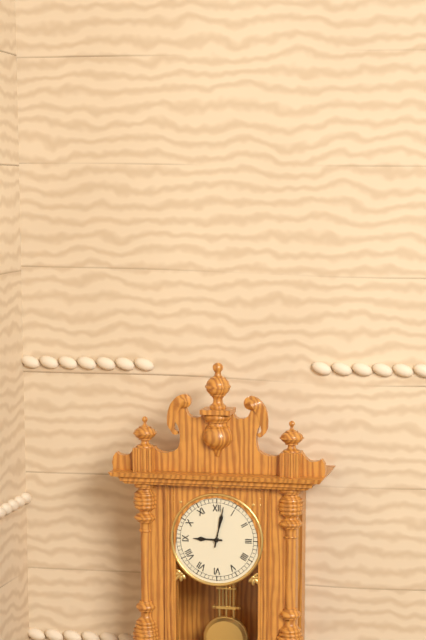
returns 9,02
